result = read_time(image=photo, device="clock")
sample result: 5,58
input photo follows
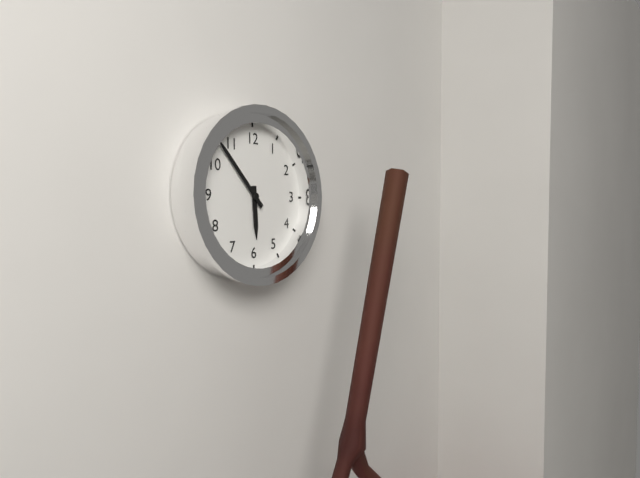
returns 5,53
